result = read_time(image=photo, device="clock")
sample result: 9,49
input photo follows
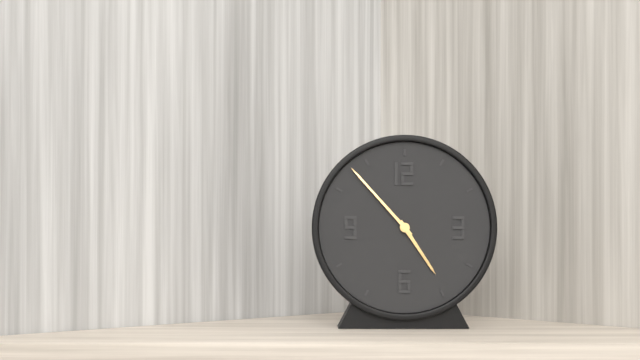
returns 4,53
